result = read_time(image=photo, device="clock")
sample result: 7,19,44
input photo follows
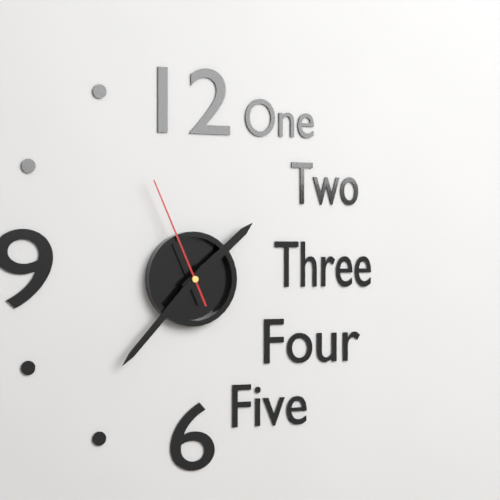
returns 1,37,56
